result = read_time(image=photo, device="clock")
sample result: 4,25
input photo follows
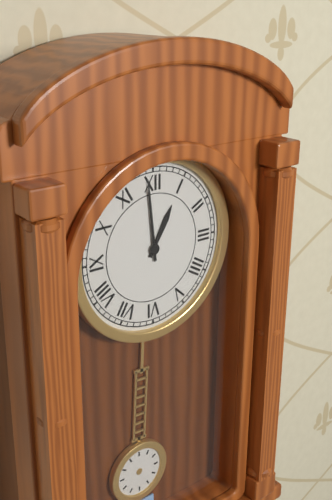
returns 12,59
